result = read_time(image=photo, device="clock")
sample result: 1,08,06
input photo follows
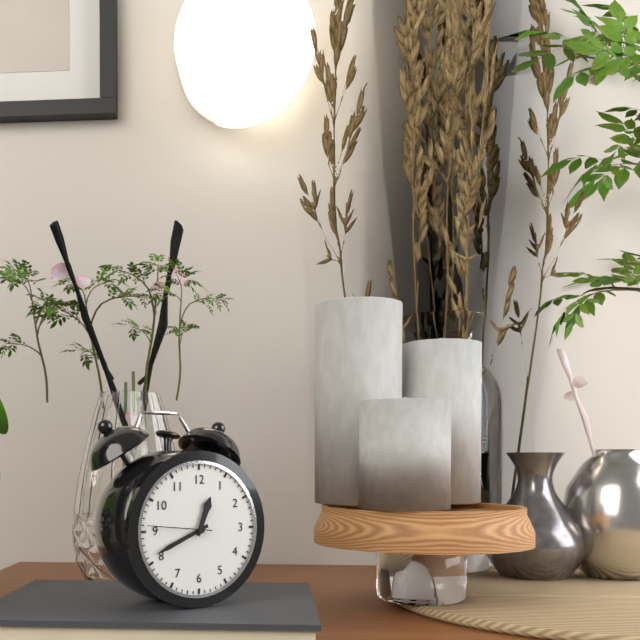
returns 12,41,46
